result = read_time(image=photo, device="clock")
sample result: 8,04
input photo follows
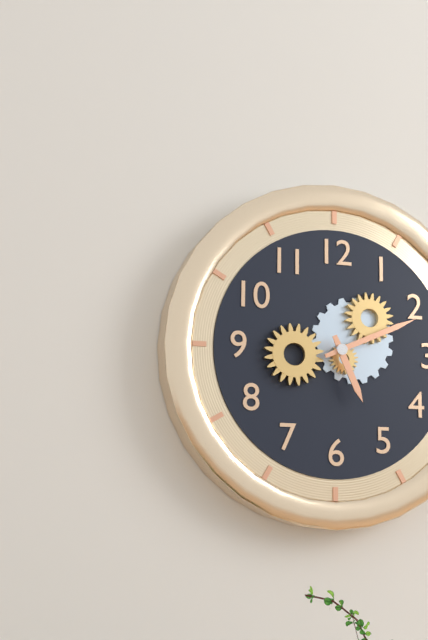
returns 5,11
